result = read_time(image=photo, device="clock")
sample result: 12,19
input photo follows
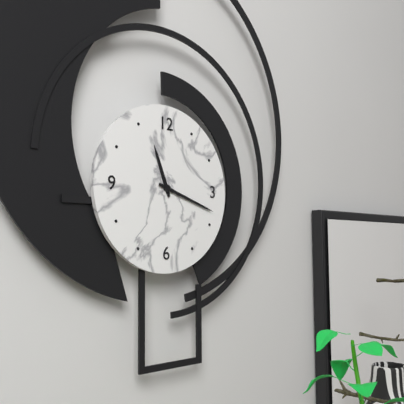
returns 11,18
